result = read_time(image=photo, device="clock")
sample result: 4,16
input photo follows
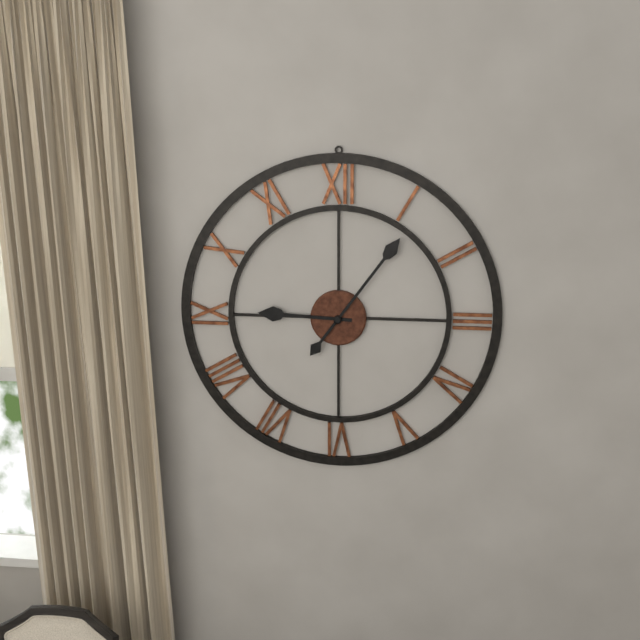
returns 9,06
